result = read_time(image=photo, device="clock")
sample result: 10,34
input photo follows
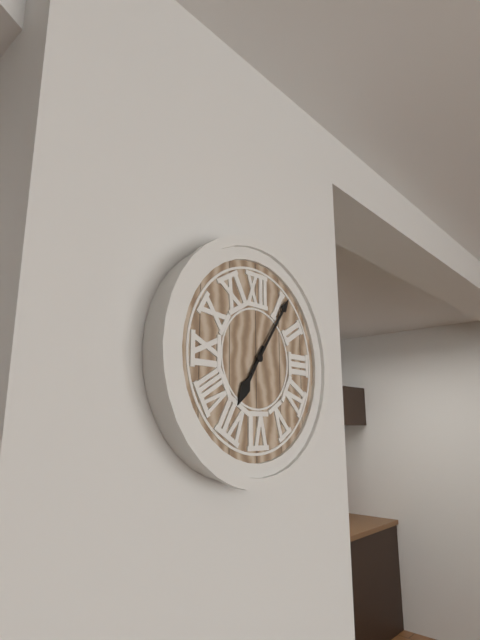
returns 7,06
